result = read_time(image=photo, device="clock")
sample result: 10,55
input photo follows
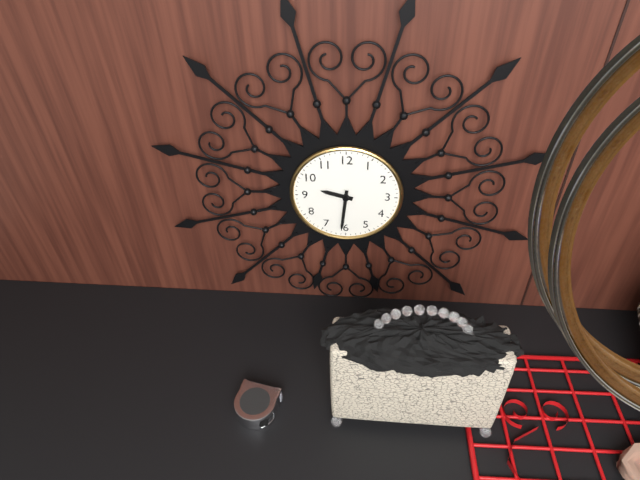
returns 9,31
